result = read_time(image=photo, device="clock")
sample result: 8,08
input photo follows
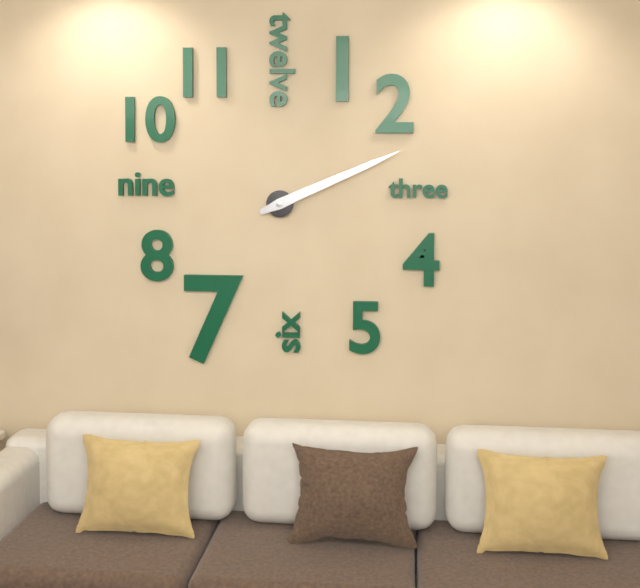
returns 2,11
